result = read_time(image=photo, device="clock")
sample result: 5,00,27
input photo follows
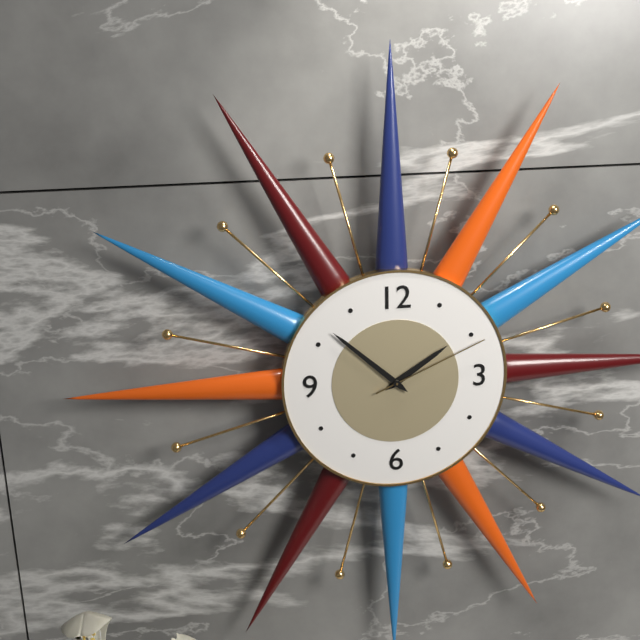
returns 1,52,11
